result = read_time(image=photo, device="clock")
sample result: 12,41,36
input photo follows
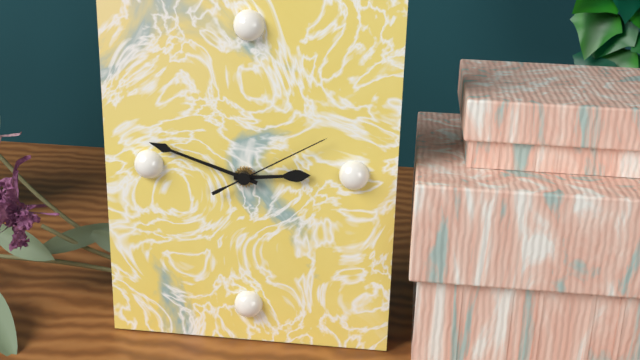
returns 2,48,10
